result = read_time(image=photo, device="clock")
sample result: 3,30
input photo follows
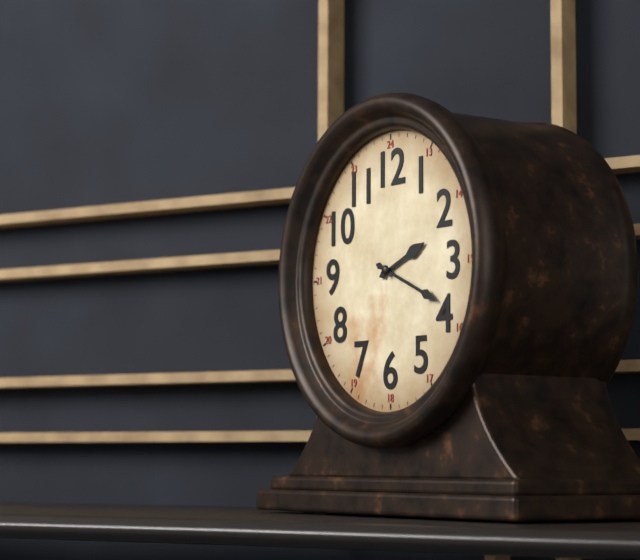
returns 2,19
